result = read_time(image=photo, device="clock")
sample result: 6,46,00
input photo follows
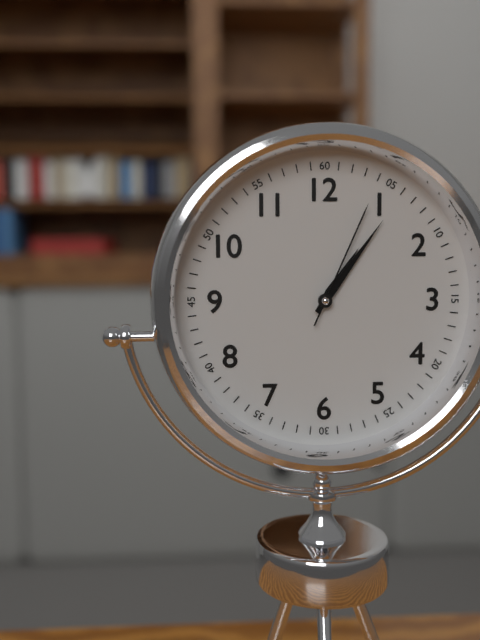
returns 1,06,04
